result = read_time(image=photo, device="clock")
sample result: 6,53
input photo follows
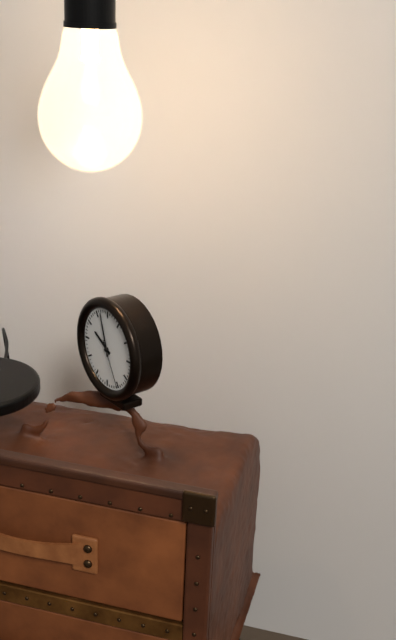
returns 9,57
